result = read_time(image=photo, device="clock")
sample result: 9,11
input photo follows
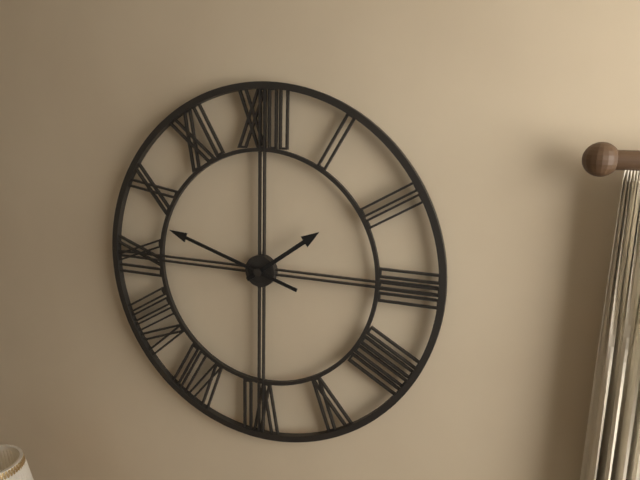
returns 1,48
